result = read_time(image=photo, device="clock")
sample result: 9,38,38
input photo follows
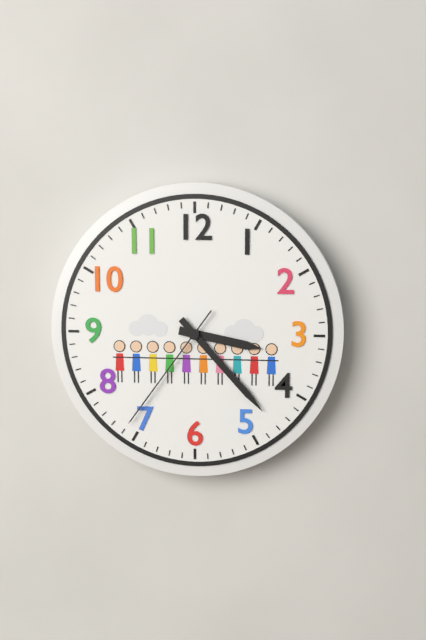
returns 3,23,36
